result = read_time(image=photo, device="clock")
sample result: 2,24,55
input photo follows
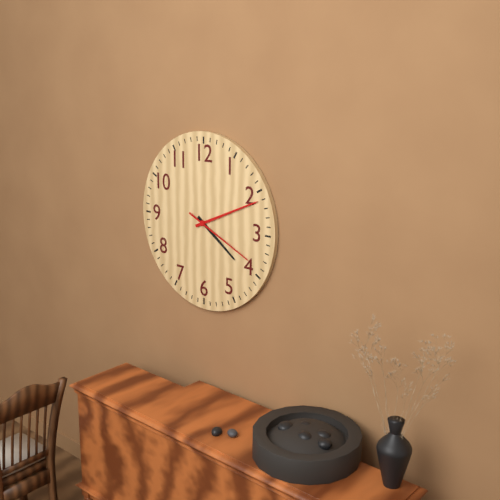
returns 4,11,19
